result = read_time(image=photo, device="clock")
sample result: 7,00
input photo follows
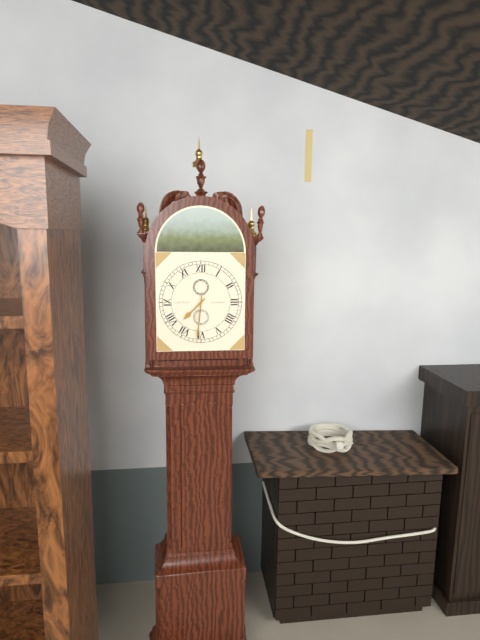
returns 7,31
